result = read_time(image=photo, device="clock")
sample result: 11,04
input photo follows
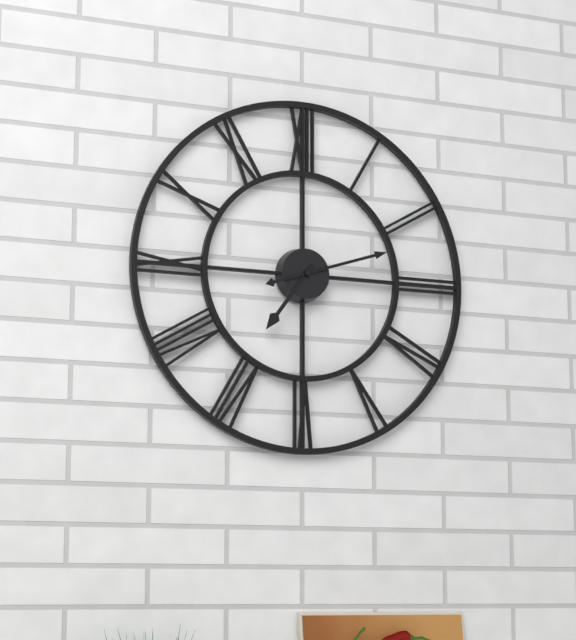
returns 7,12
